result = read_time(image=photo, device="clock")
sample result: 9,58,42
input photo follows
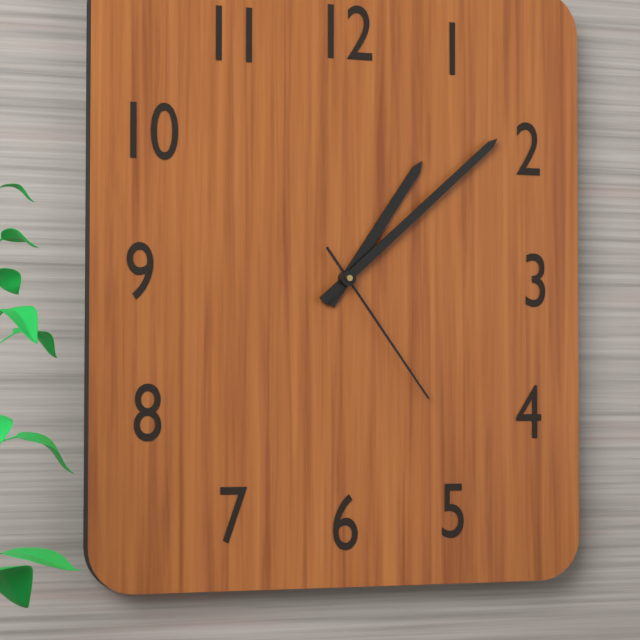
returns 1,08,24
